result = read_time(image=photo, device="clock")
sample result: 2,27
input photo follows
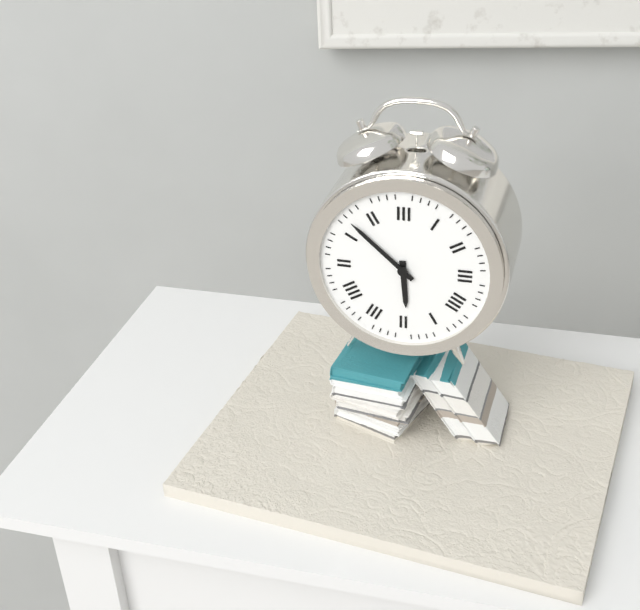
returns 5,52
